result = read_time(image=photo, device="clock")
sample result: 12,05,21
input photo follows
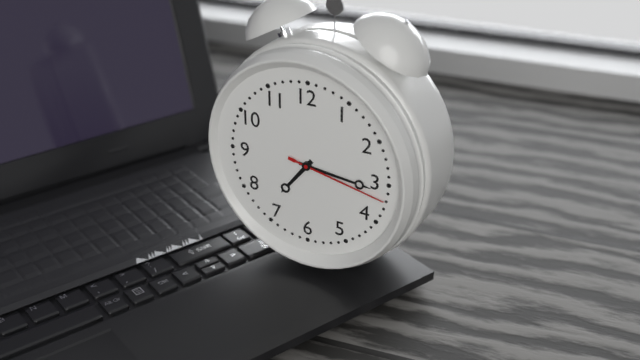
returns 7,16,17
